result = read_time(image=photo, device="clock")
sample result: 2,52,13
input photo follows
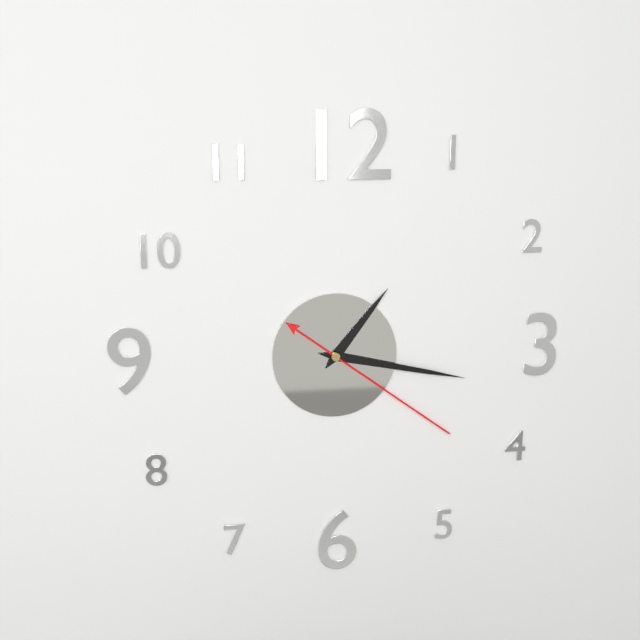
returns 1,17,21
